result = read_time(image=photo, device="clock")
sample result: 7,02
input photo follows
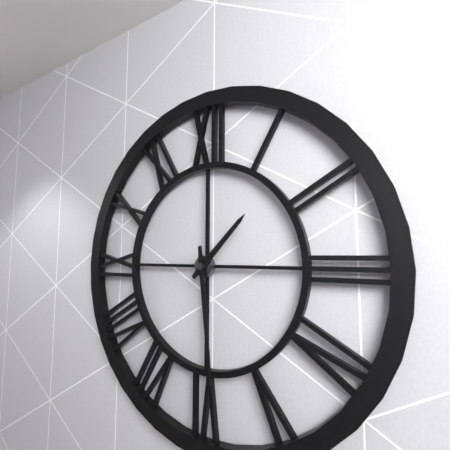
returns 1,29
